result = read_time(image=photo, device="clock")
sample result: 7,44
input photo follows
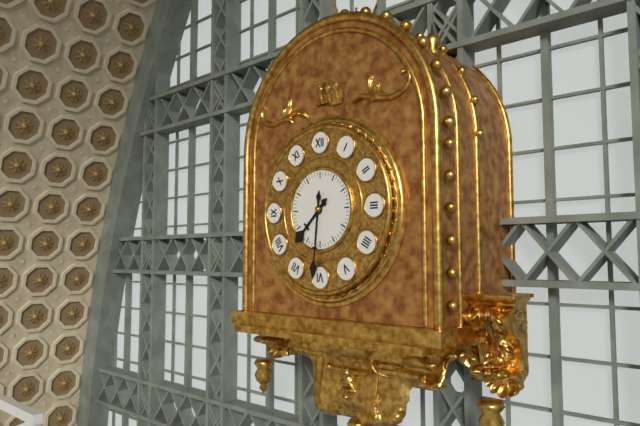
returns 7,31
